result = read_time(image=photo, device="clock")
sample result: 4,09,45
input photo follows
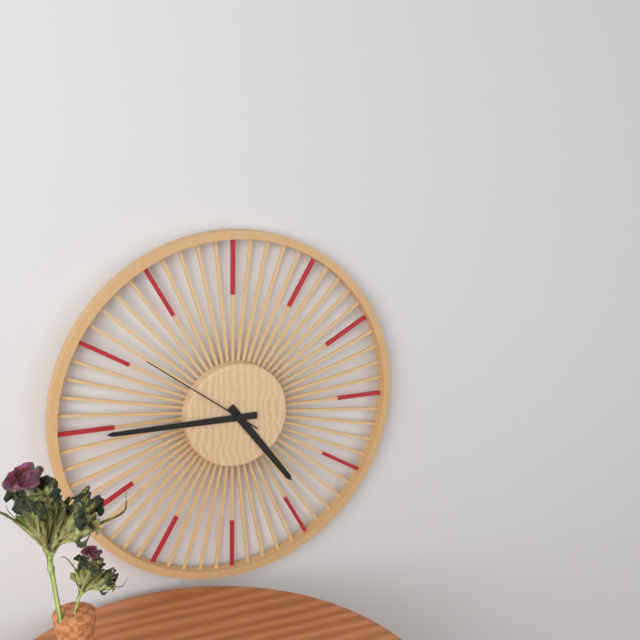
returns 4,45,51
